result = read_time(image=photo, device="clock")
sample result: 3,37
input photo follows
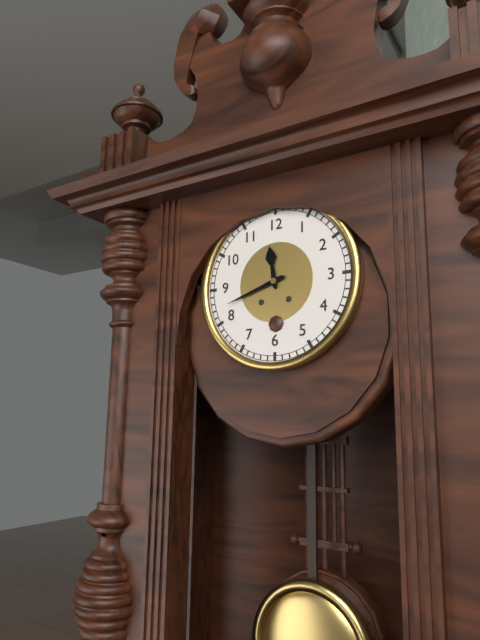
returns 11,42
